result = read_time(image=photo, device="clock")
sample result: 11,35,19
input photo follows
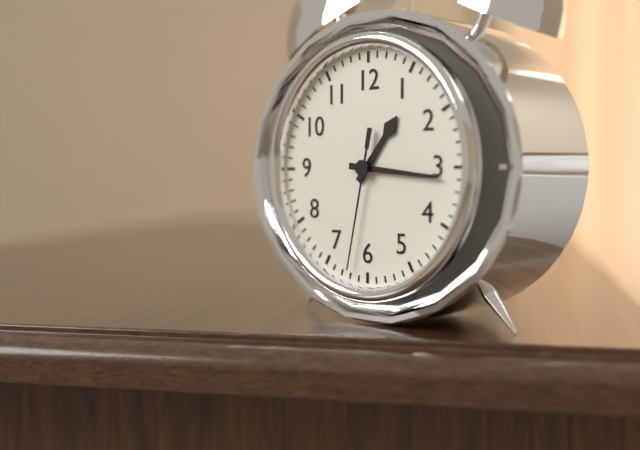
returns 1,16,32
